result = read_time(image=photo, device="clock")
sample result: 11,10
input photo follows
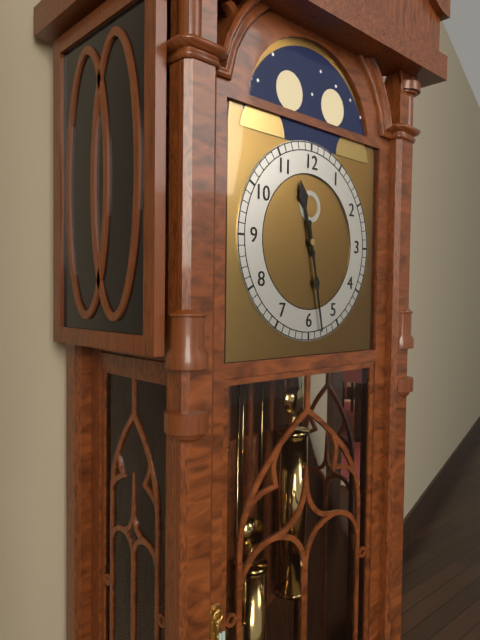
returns 11,28
